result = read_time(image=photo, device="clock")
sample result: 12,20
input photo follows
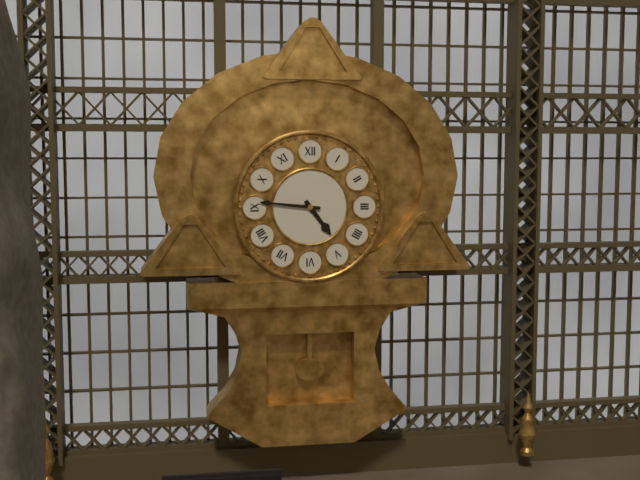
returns 4,46
